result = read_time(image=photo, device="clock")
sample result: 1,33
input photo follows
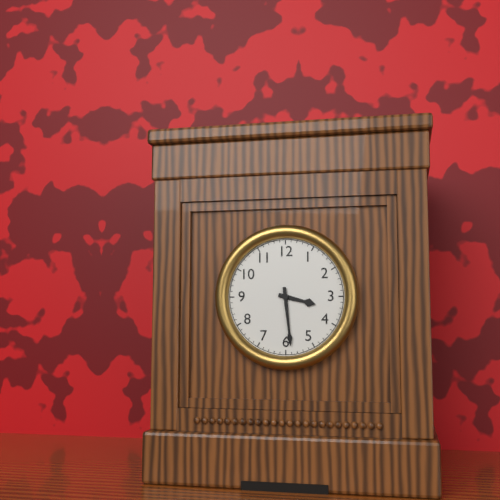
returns 3,29
